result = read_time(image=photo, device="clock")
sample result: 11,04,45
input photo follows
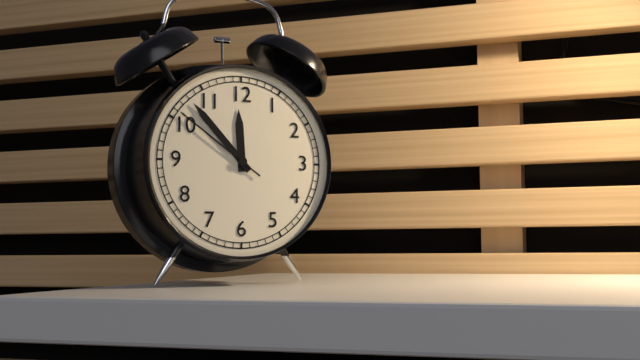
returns 11,53,51
